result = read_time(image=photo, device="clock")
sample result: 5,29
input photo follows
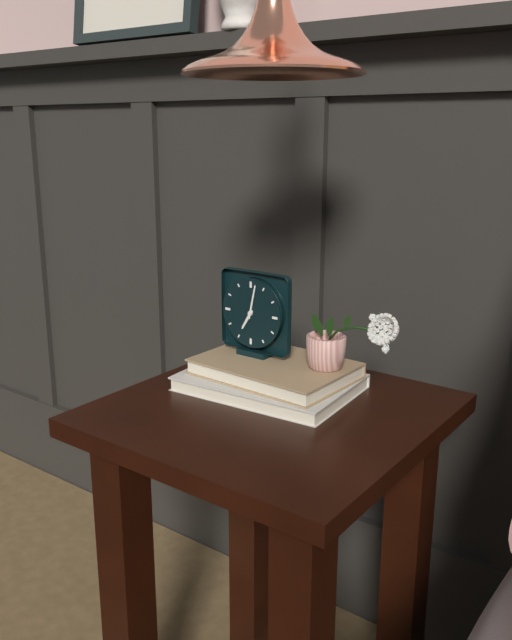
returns 7,02
